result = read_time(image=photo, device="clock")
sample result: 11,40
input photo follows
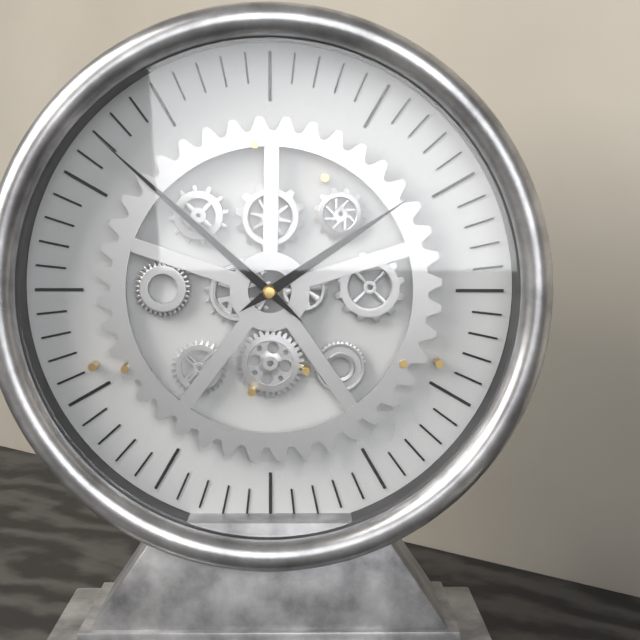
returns 1,52
